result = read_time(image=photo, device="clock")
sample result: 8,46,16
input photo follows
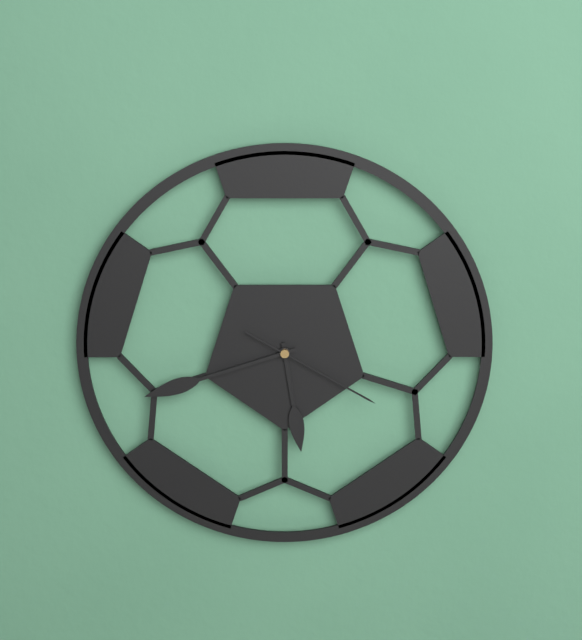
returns 5,42,20
